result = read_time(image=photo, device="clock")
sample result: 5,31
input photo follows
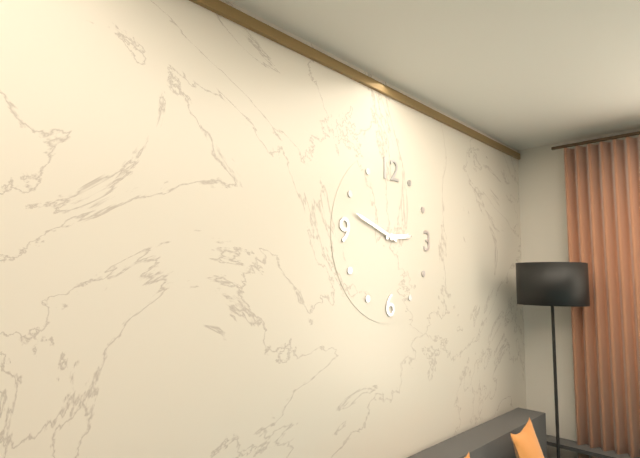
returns 2,48
